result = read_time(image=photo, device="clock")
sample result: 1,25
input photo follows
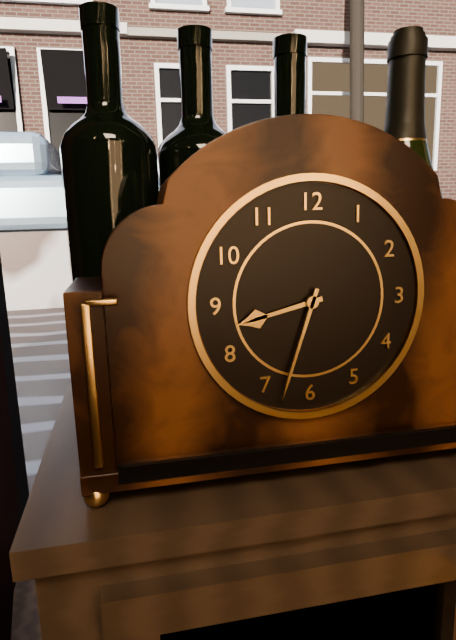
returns 8,33
